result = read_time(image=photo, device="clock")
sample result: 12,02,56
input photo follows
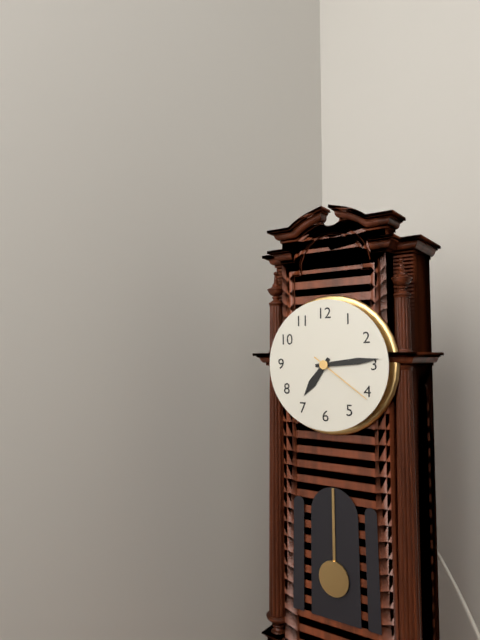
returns 7,14,21
